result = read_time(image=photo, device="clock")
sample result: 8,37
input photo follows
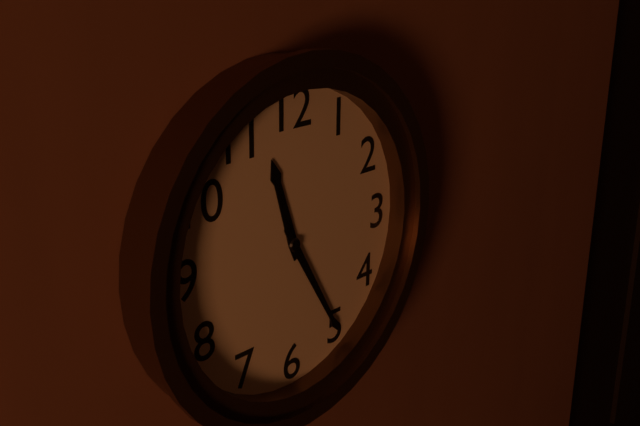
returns 11,25
